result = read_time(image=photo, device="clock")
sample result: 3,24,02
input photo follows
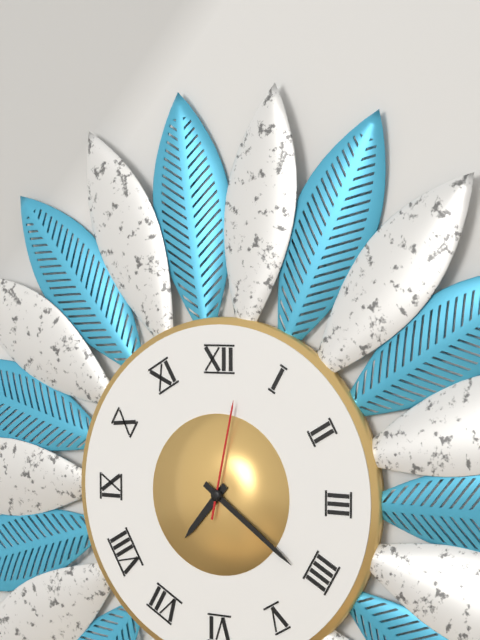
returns 7,21,02
